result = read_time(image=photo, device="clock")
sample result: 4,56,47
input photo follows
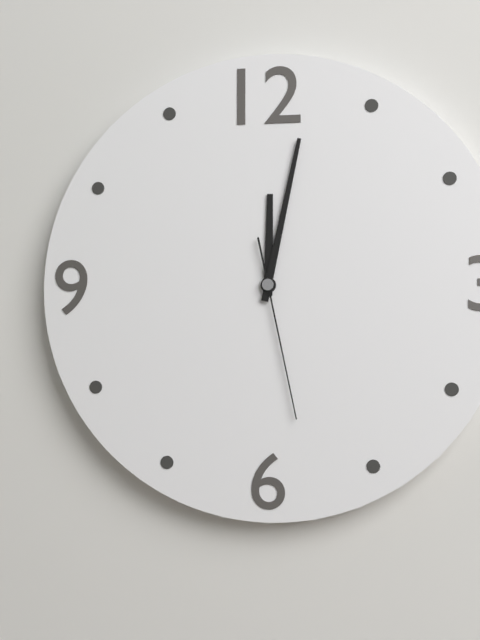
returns 12,02,28
